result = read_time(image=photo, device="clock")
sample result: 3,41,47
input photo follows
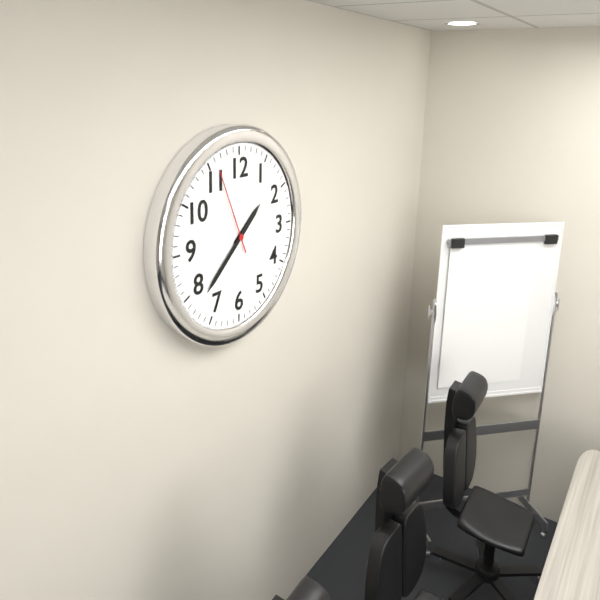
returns 1,38,56
